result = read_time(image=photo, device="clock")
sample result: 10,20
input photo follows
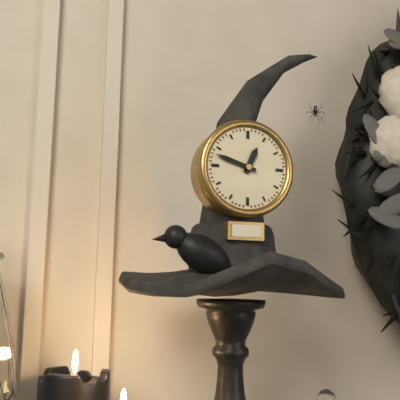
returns 12,48
